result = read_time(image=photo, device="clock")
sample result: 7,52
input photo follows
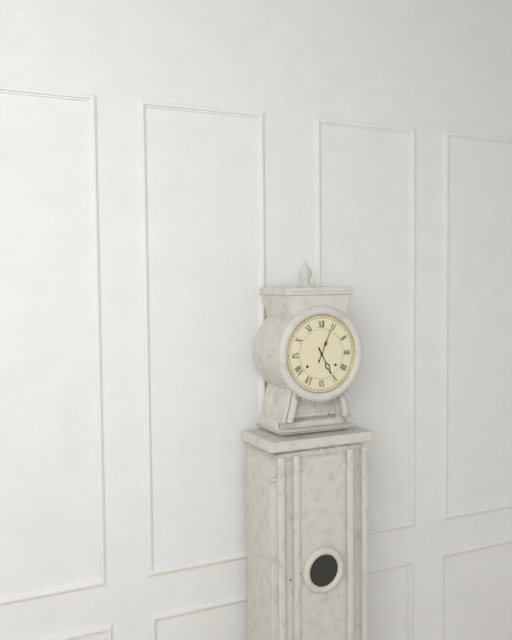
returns 5,04
